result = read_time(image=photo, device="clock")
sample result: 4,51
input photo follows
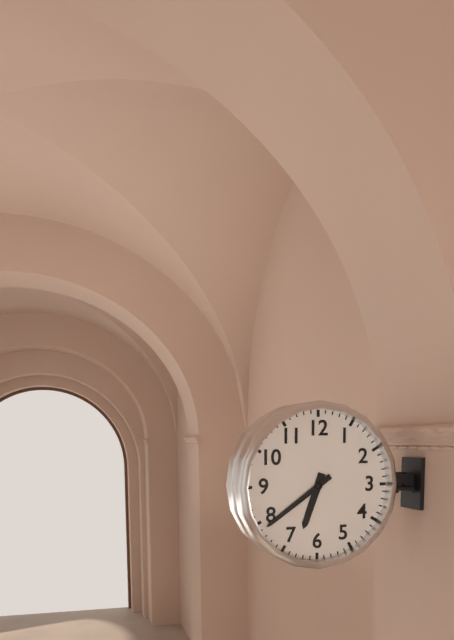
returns 6,39
